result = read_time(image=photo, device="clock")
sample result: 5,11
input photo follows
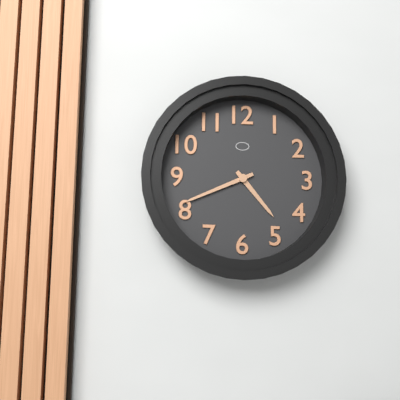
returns 4,41
